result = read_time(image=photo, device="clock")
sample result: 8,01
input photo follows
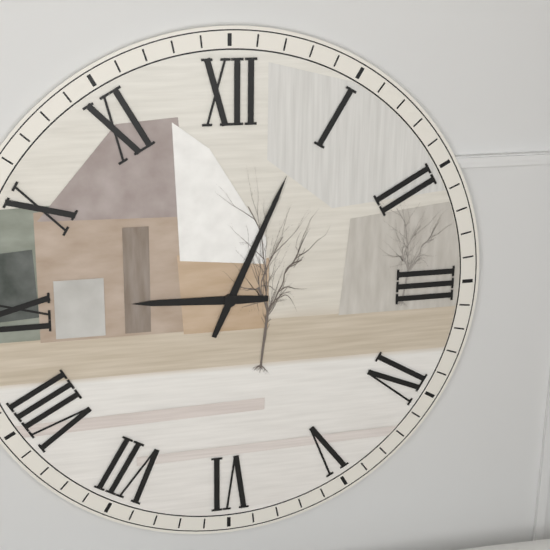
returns 9,04
